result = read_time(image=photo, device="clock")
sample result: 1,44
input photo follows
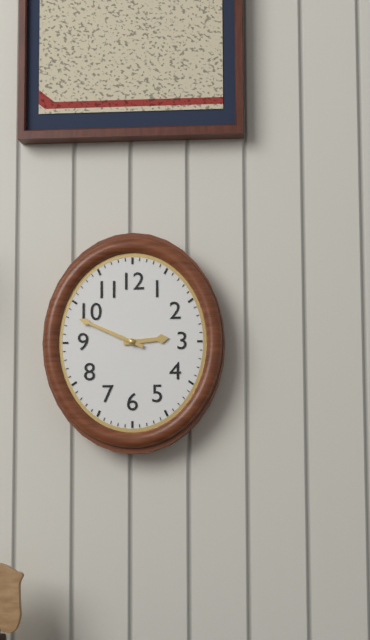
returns 2,49
